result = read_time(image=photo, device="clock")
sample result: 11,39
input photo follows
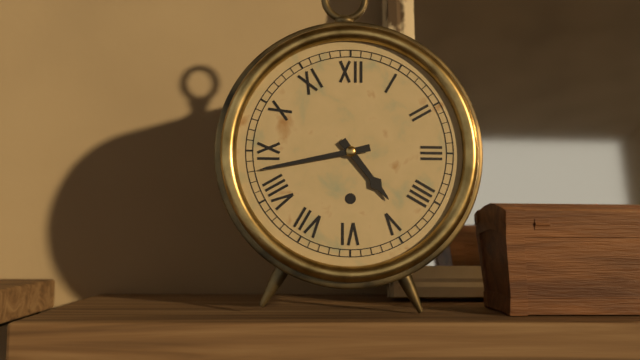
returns 4,43
